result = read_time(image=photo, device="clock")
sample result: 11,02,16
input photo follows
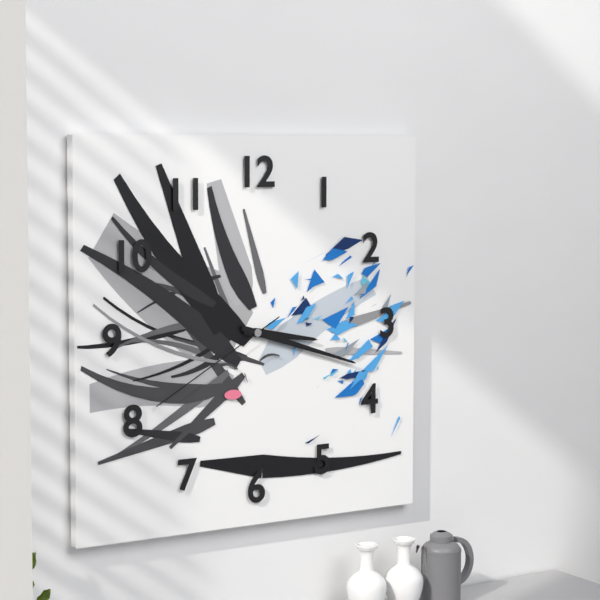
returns 3,18,40
